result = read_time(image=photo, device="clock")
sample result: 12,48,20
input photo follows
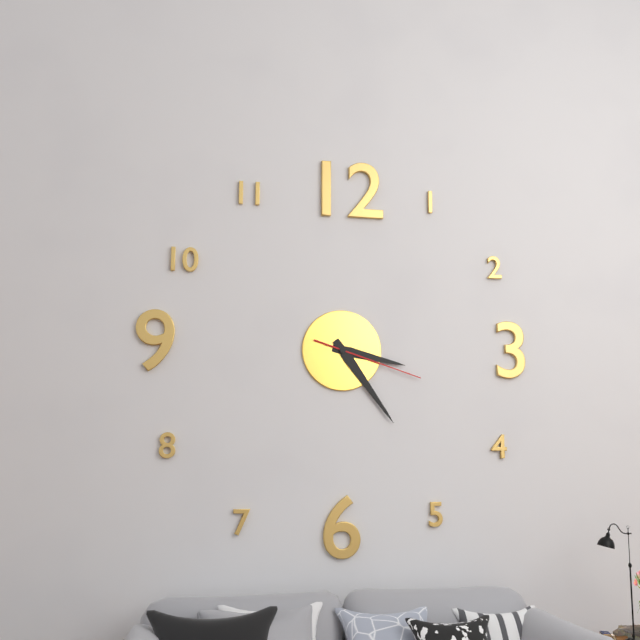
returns 3,24,18
